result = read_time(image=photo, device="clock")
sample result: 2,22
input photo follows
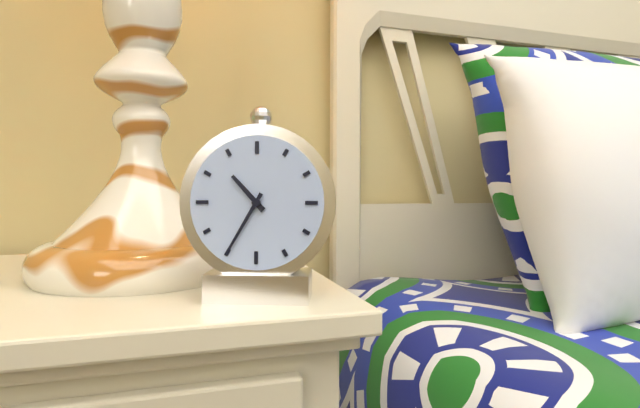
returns 10,35
